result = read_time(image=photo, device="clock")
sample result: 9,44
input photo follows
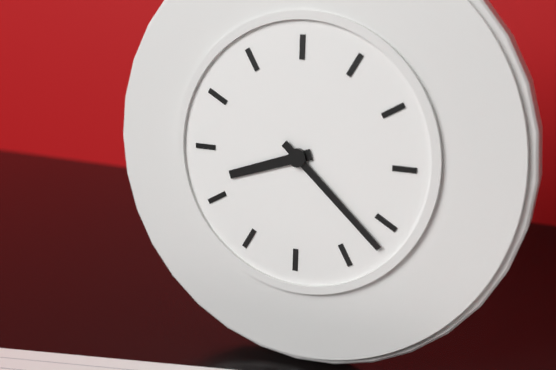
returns 8,22
